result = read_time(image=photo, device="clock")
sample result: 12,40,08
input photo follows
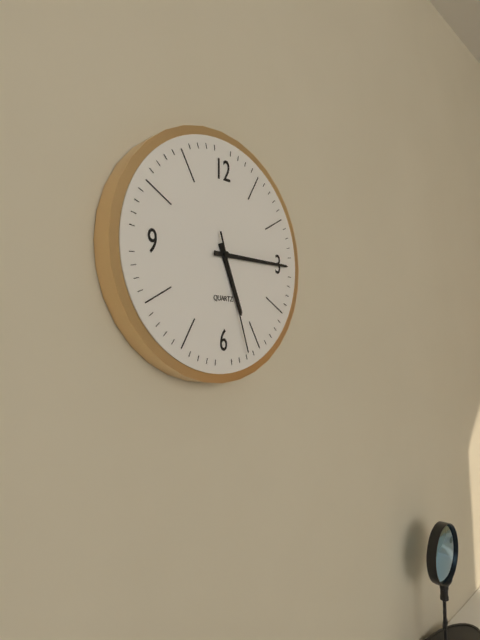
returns 5,15,27
